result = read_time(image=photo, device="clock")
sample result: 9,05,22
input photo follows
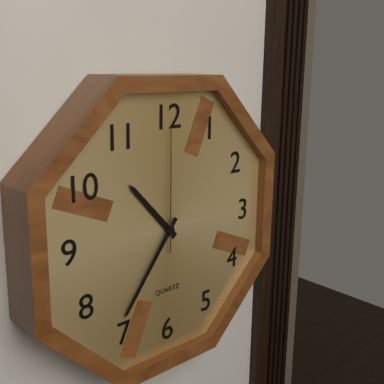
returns 10,36,00
